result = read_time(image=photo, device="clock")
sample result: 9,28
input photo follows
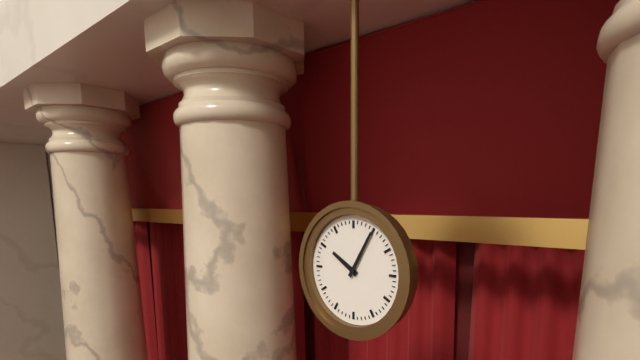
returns 10,05
